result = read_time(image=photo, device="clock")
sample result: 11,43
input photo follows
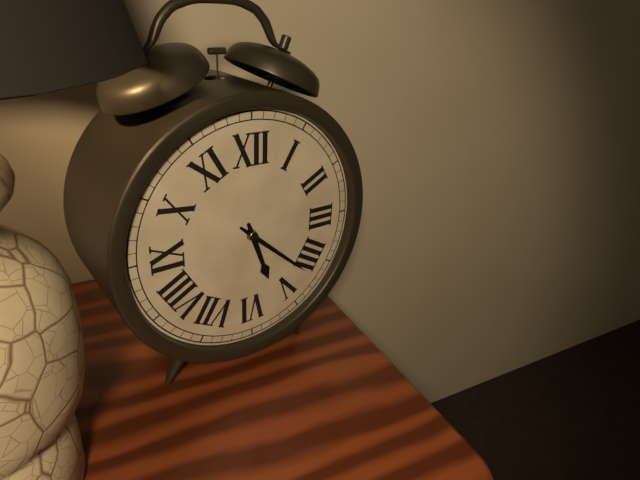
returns 5,22
